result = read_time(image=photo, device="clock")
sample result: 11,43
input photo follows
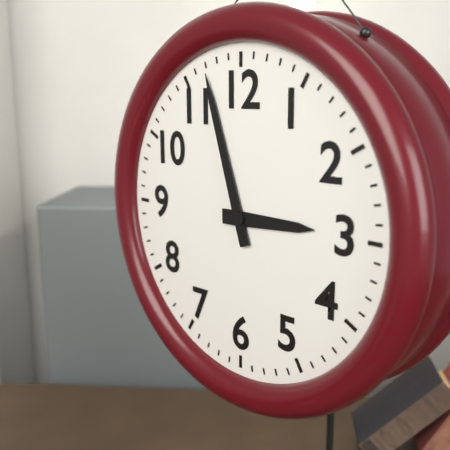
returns 2,57
